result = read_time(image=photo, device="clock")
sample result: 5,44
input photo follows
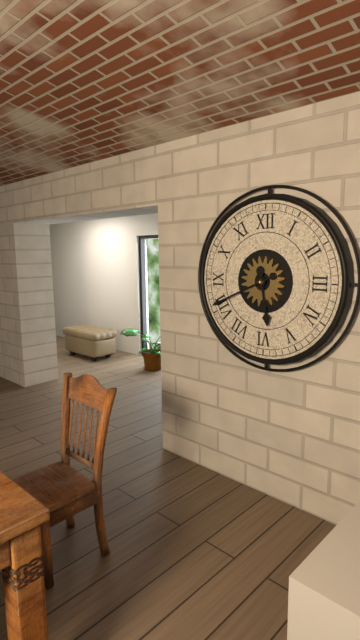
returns 5,41
